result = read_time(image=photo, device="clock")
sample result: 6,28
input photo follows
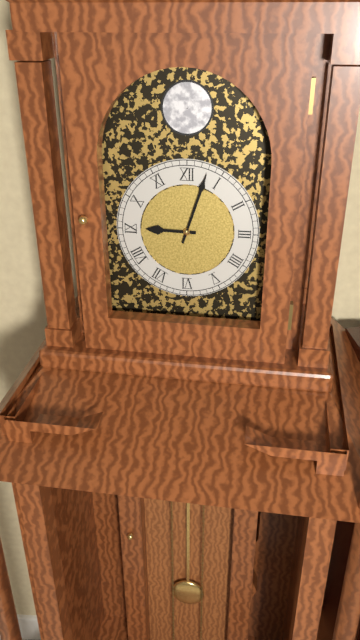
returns 9,03
